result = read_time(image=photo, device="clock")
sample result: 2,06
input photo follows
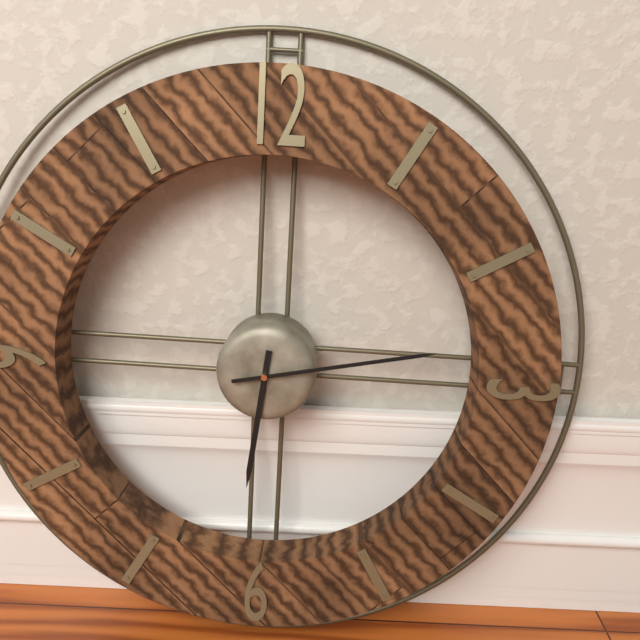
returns 6,13
